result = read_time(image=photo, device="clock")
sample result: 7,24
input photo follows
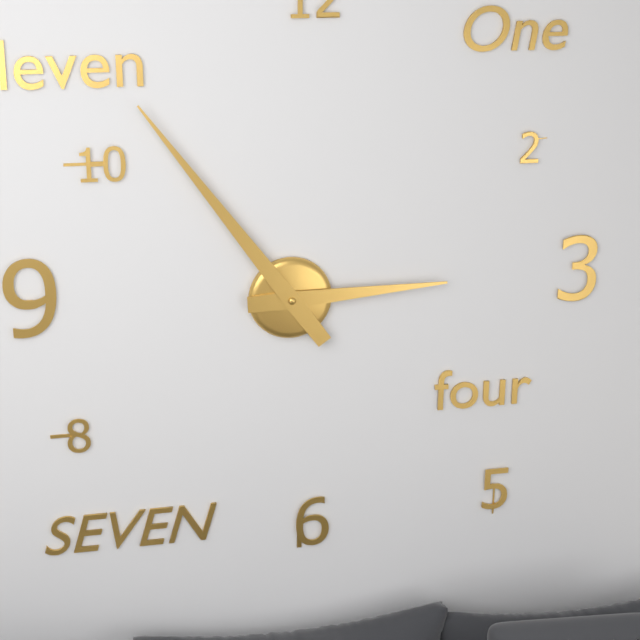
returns 2,54
